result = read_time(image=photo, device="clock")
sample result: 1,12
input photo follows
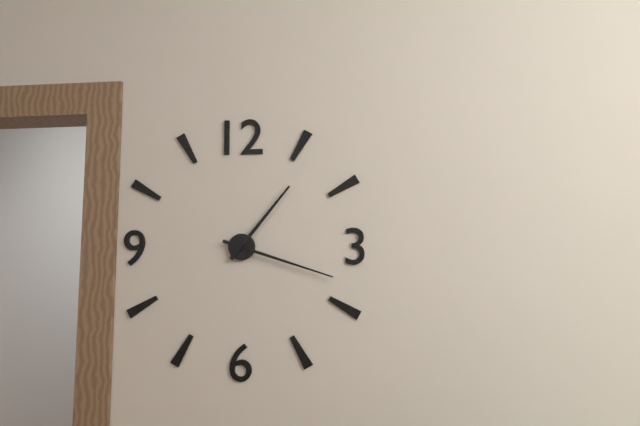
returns 1,18
